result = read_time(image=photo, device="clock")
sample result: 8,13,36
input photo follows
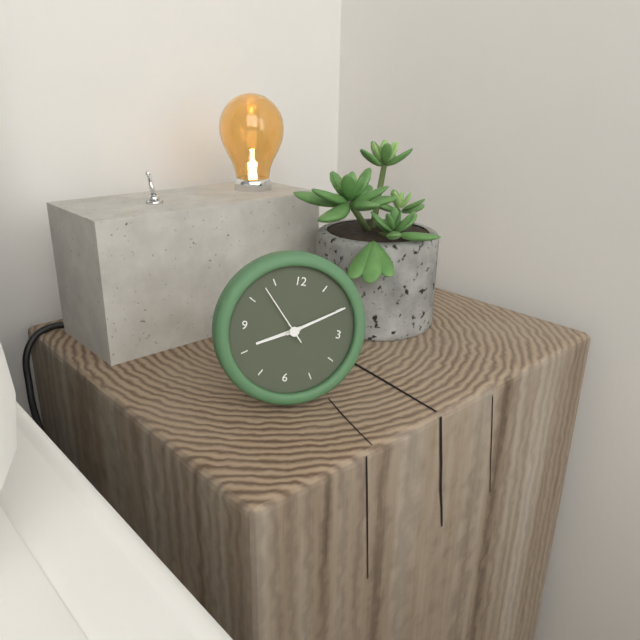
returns 8,10,53
